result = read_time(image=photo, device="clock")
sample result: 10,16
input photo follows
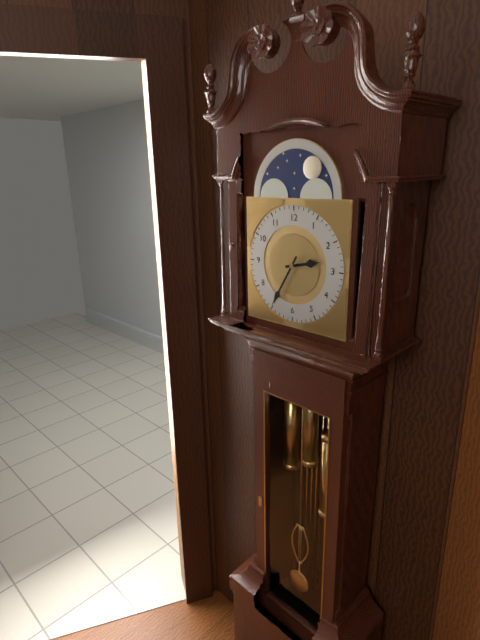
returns 2,35
